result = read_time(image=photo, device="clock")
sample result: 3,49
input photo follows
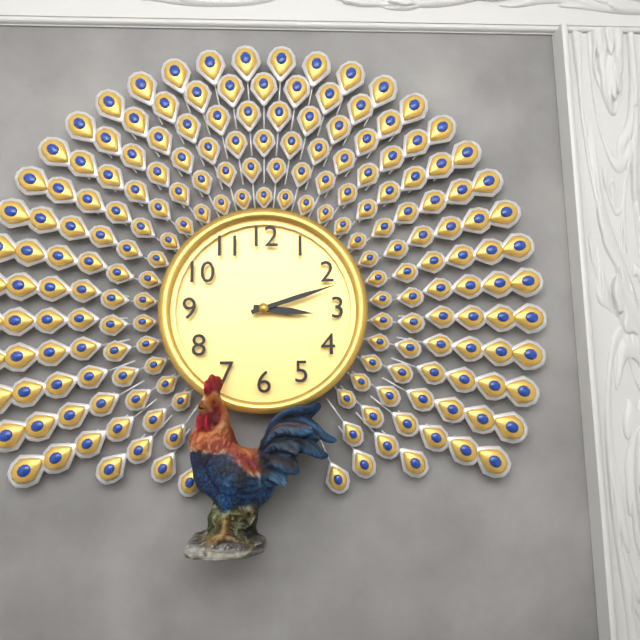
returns 3,12
